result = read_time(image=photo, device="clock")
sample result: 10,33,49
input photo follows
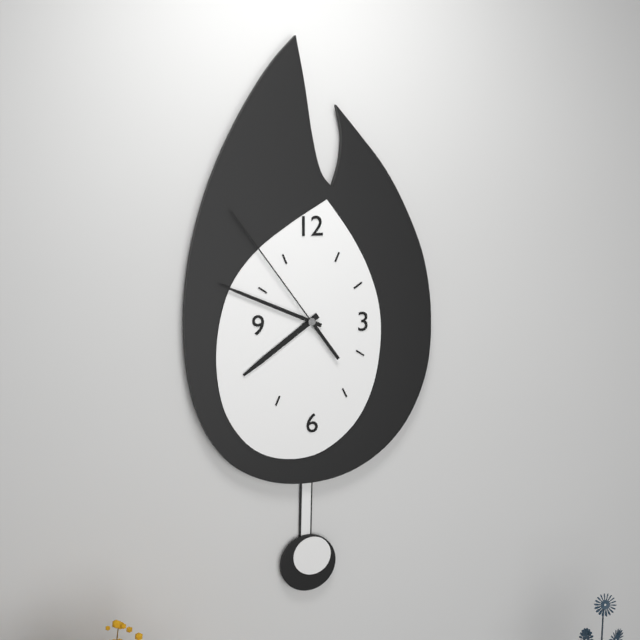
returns 7,49,54
